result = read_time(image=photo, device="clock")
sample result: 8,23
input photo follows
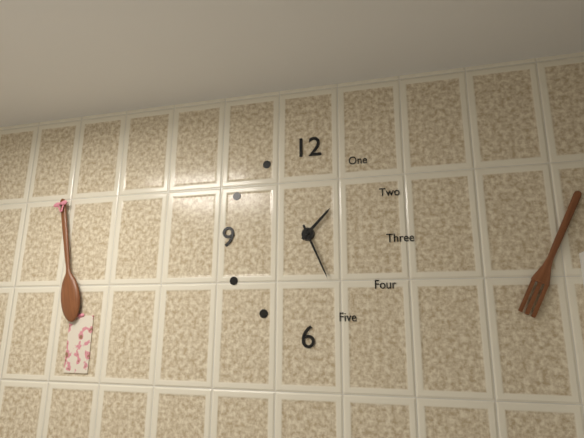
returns 1,26
